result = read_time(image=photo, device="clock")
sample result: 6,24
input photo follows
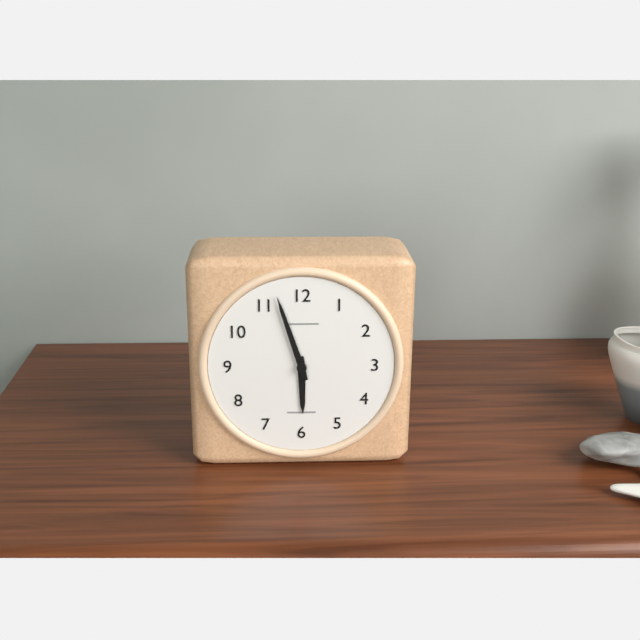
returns 5,57
